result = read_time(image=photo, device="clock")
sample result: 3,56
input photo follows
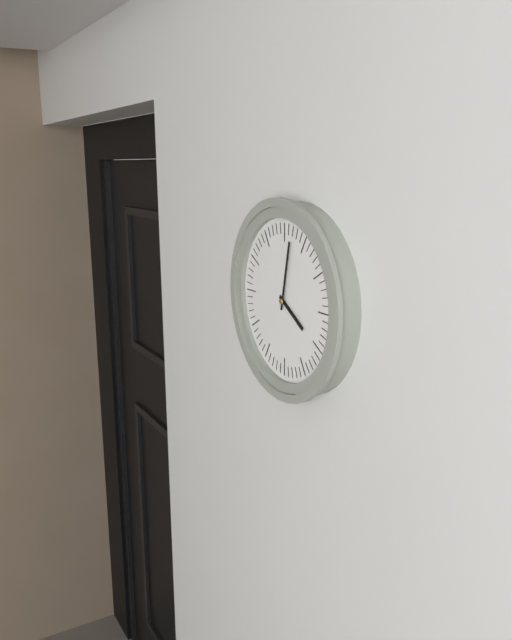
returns 4,02
